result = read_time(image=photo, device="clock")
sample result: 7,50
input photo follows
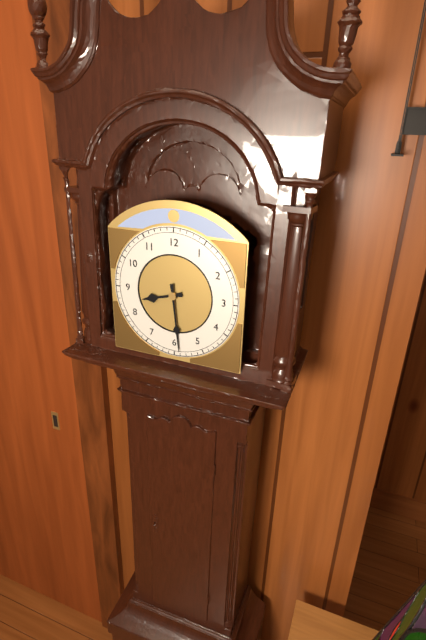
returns 8,29
